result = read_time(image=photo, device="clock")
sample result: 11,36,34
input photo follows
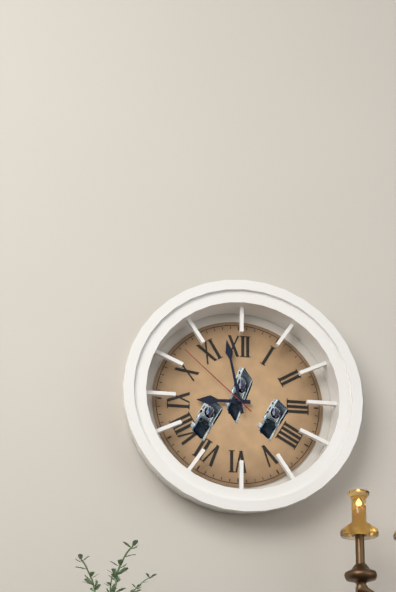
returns 8,58,52
